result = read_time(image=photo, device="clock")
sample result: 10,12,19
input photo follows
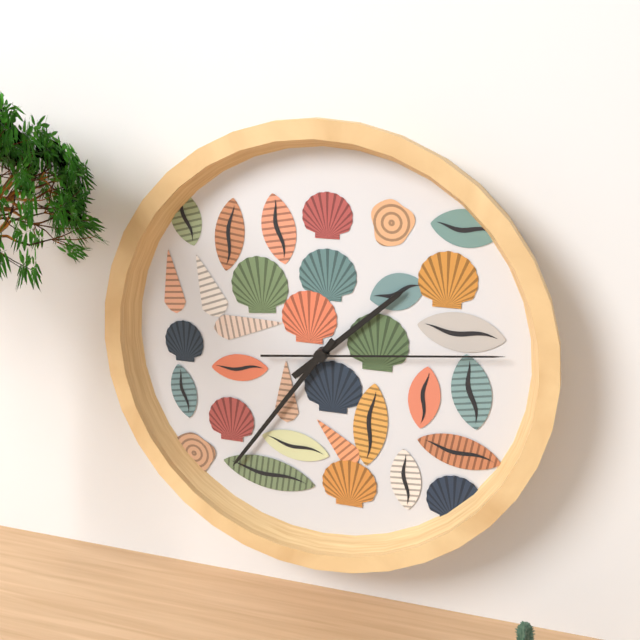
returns 1,36,14
